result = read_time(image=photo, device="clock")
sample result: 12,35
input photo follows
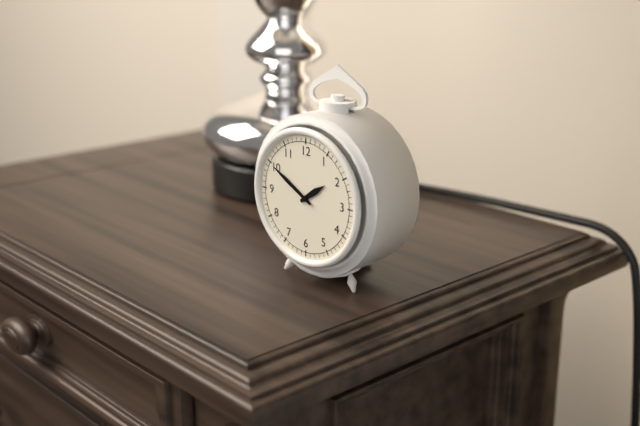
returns 1,50
